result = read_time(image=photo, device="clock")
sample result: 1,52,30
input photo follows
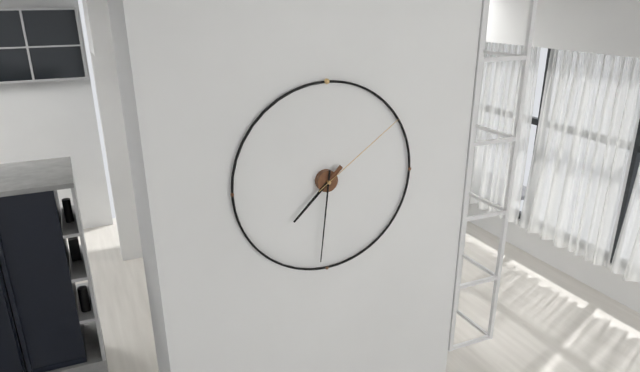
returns 7,31,09
